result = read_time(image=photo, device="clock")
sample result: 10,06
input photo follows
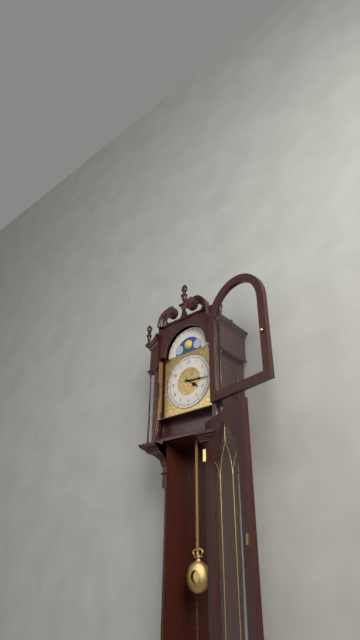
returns 4,16
